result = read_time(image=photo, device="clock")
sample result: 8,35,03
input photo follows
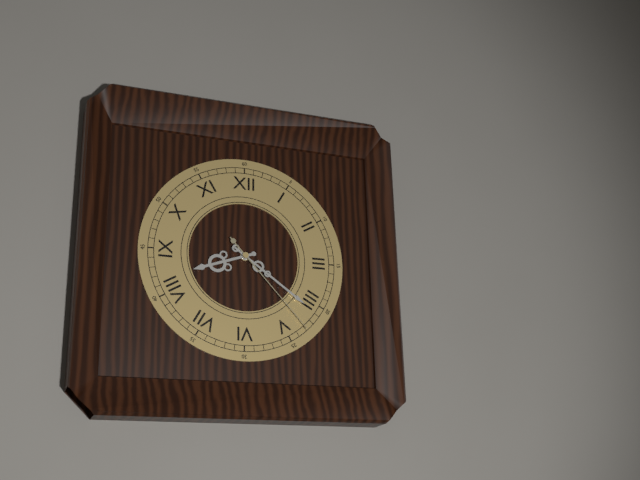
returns 8,21,23
